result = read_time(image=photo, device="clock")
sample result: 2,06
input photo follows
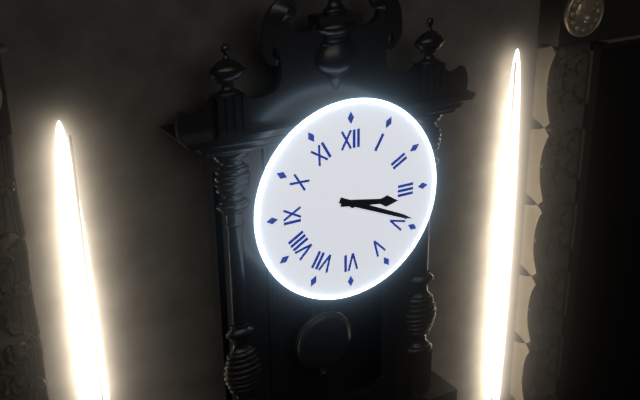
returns 3,19
